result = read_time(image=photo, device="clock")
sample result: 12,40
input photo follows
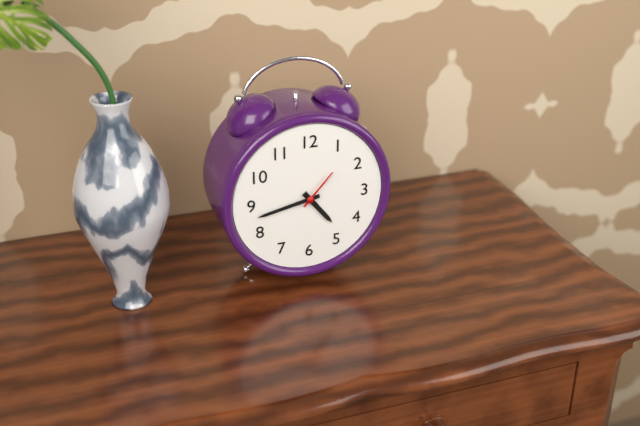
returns 4,43
